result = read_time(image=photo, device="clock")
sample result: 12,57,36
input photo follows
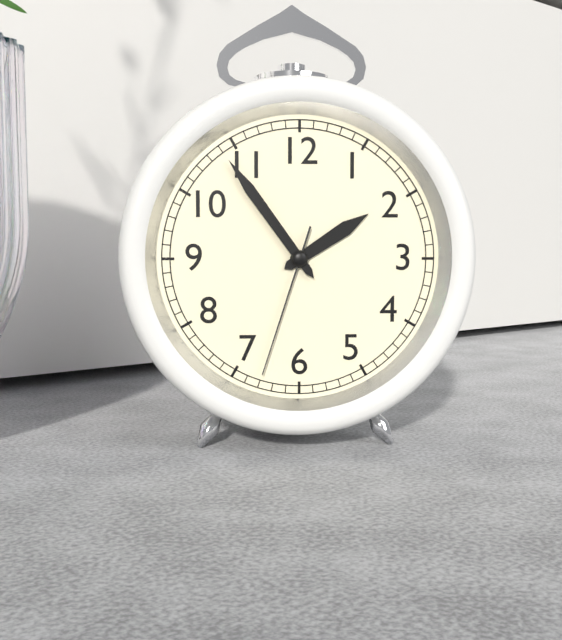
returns 1,54,33
